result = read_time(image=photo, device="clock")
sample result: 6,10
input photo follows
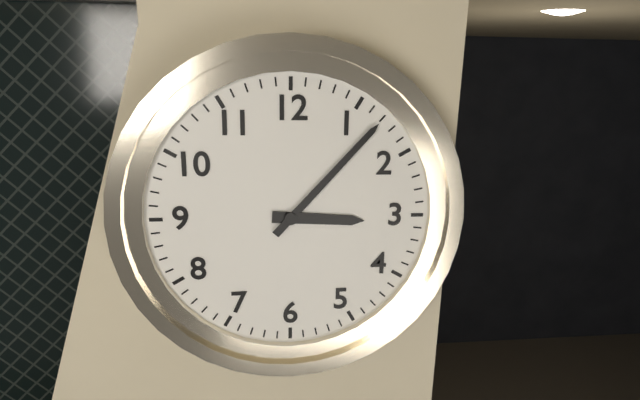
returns 3,07
